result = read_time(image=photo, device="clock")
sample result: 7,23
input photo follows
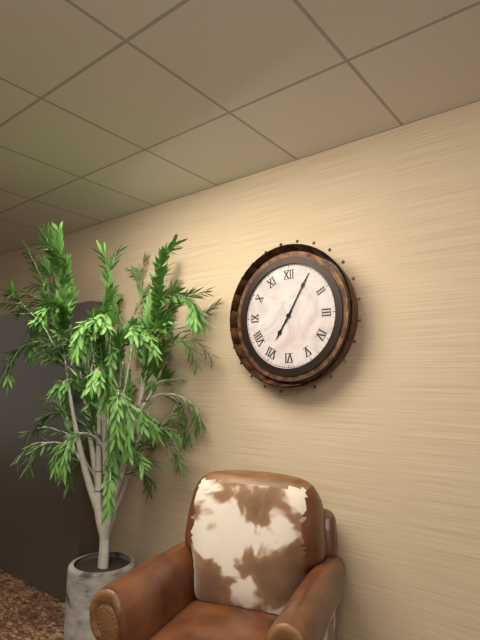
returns 7,05
